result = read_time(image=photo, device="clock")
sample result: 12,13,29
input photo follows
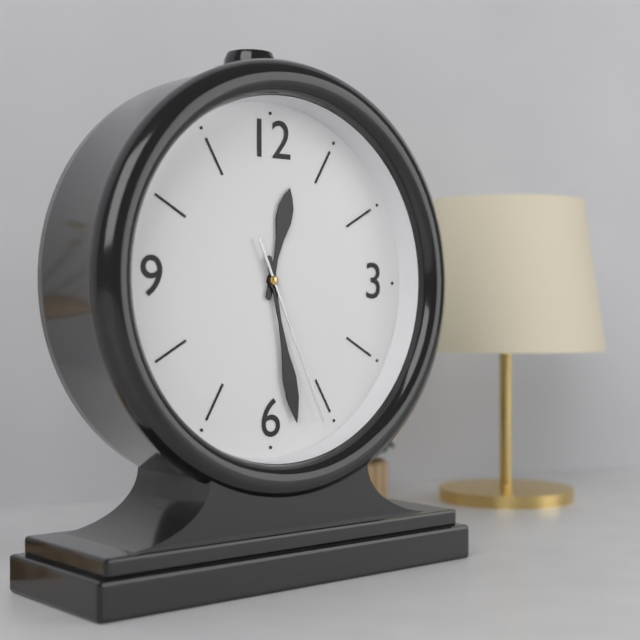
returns 12,28,26
